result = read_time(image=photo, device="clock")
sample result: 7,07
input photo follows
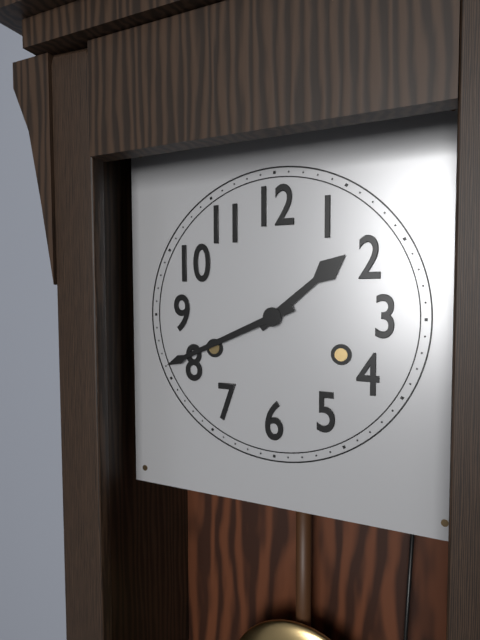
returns 1,41
